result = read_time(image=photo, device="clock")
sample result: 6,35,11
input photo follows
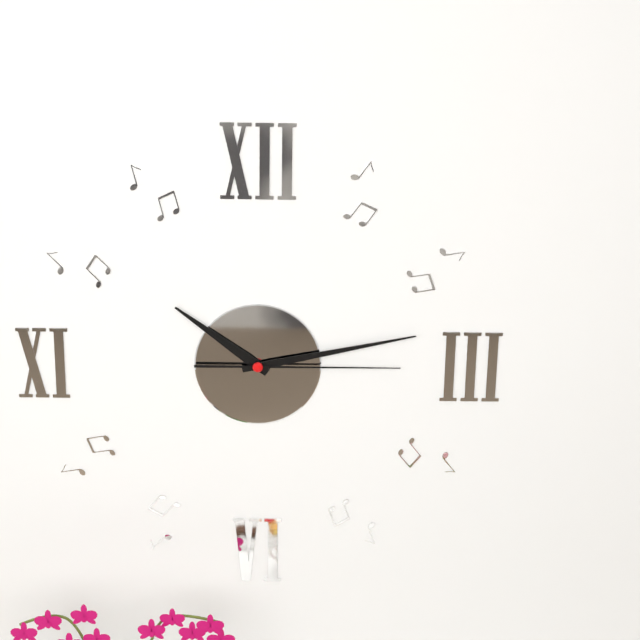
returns 10,13,15
